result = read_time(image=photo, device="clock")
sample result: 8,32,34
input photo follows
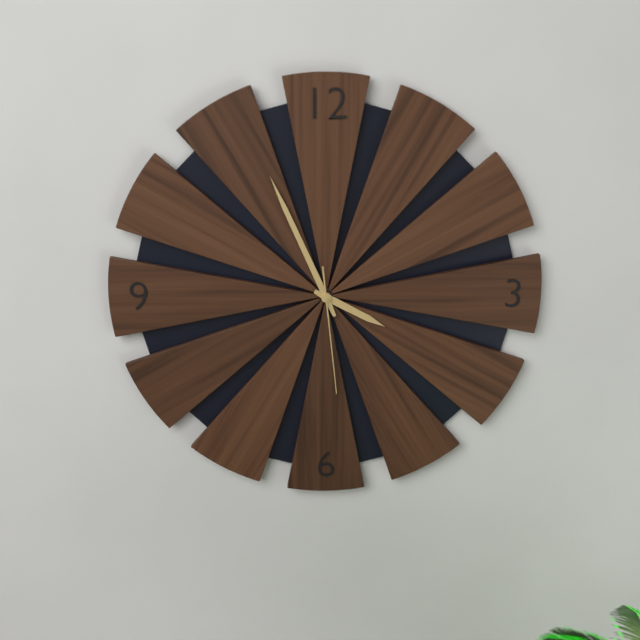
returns 3,56,29
